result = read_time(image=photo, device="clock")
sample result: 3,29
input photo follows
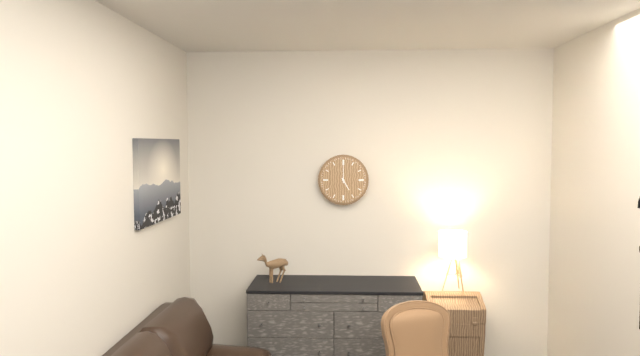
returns 5,00
